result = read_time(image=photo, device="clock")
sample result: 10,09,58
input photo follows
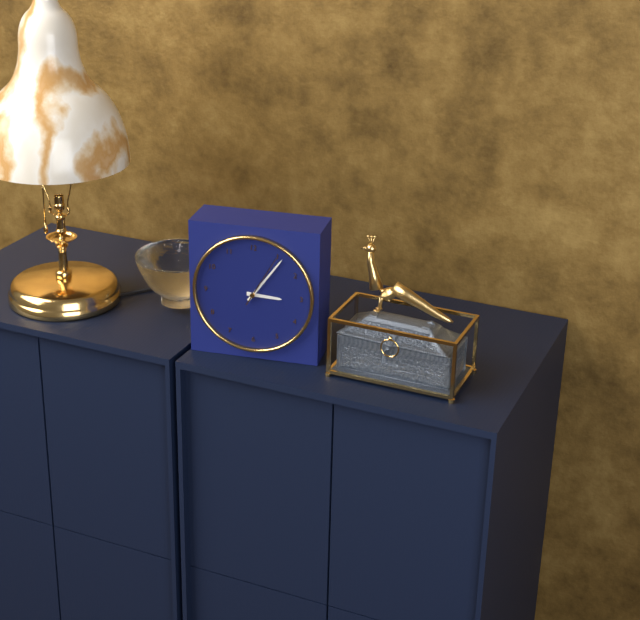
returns 3,06,05
